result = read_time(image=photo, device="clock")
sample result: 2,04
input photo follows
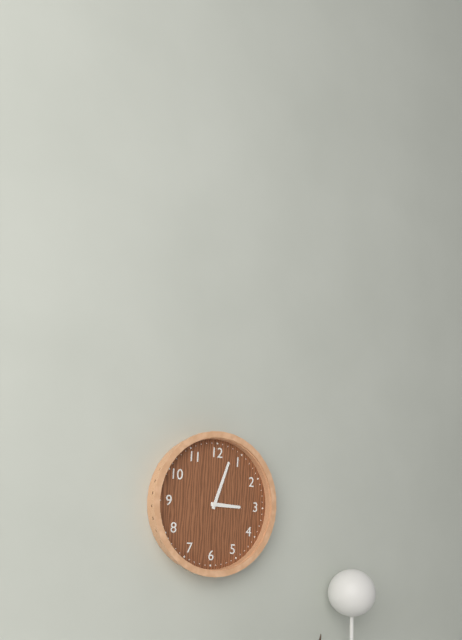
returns 3,03
